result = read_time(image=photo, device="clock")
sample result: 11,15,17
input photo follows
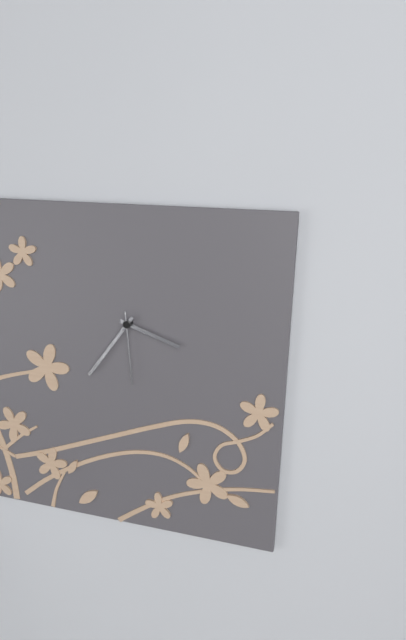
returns 3,36,29
